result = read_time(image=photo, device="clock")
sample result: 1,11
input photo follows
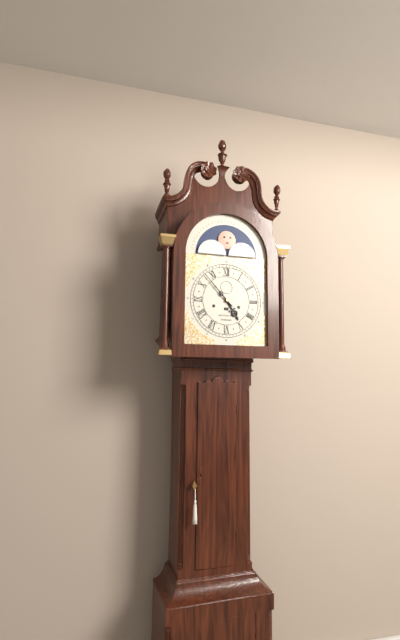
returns 4,53
